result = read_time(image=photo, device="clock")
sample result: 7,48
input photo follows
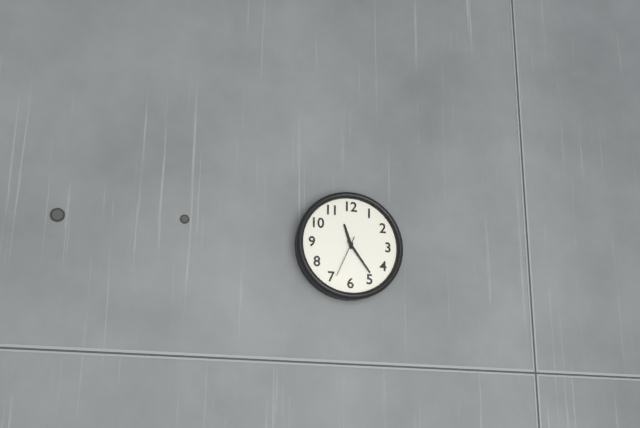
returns 11,24
